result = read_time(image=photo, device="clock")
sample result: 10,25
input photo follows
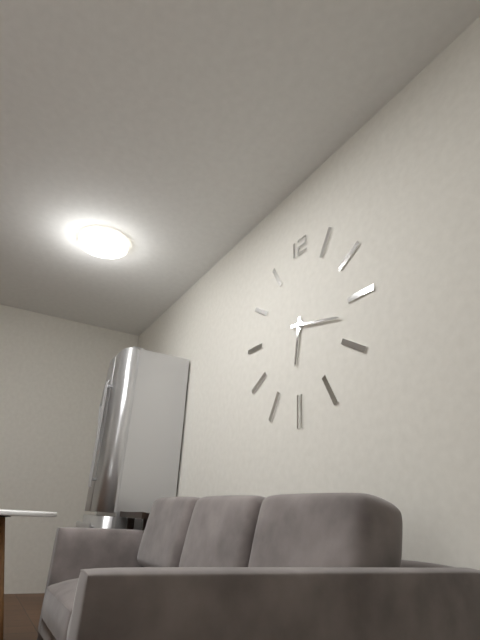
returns 6,17
